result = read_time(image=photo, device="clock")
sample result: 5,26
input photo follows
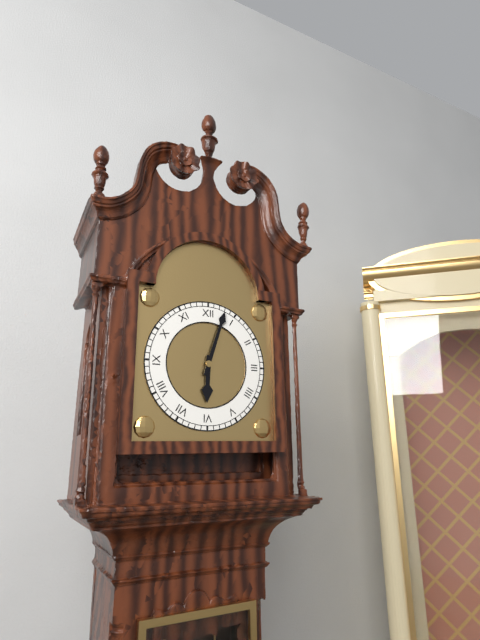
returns 6,03
